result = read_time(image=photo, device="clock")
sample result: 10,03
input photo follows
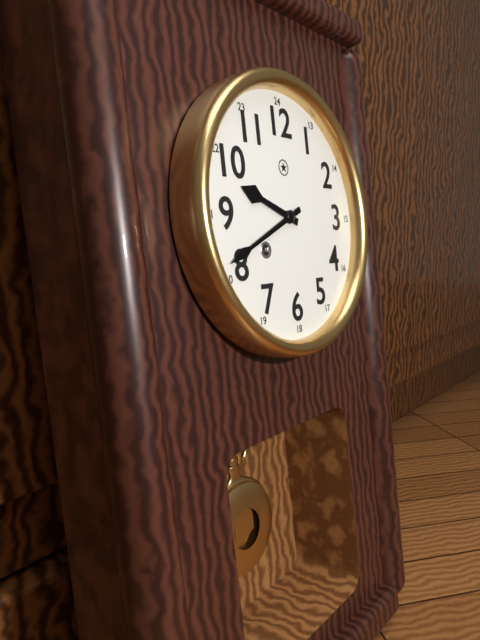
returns 9,41
